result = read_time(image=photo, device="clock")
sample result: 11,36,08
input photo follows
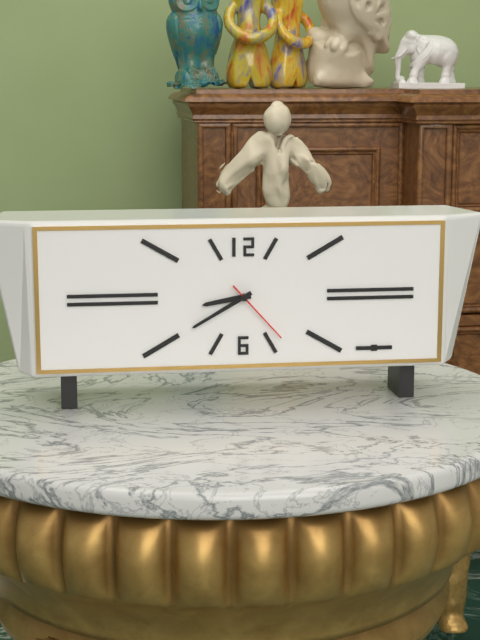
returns 8,40,23
